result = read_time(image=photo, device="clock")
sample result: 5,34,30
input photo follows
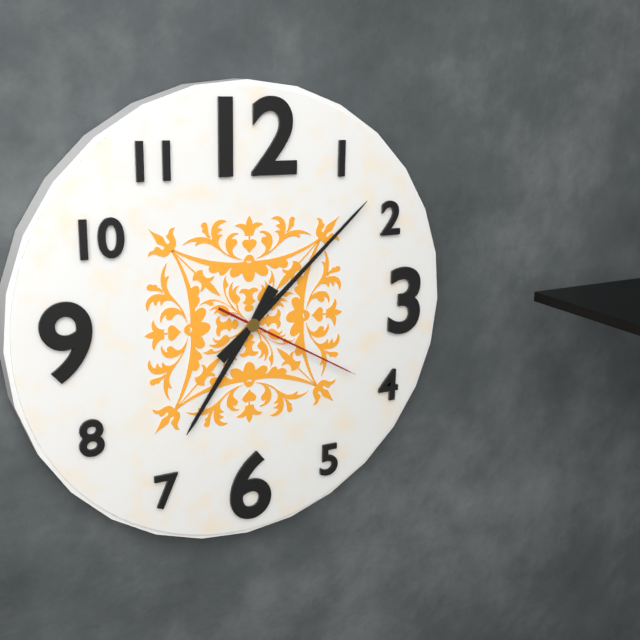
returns 7,08,20
